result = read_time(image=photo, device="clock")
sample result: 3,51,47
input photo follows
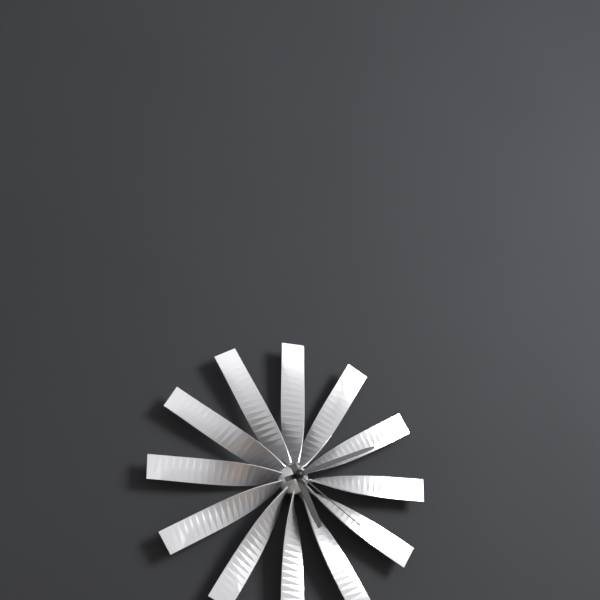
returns 5,11,21
